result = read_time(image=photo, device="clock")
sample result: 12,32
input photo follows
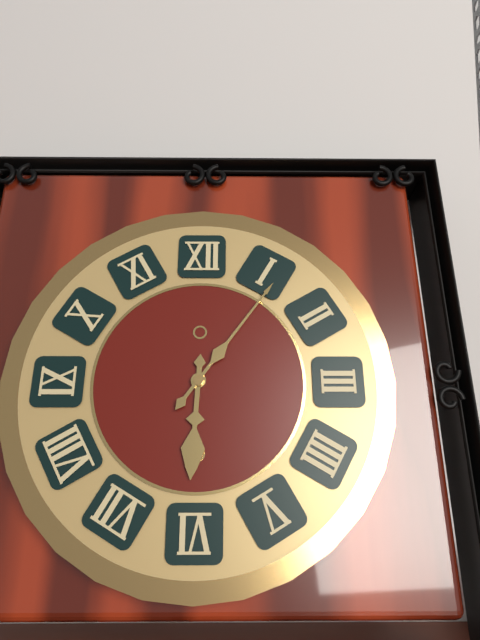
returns 6,06
